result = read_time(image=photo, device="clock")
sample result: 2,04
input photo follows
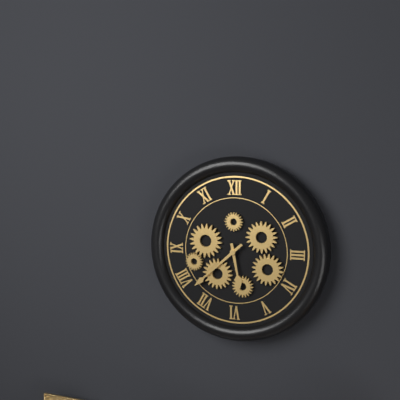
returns 5,38
